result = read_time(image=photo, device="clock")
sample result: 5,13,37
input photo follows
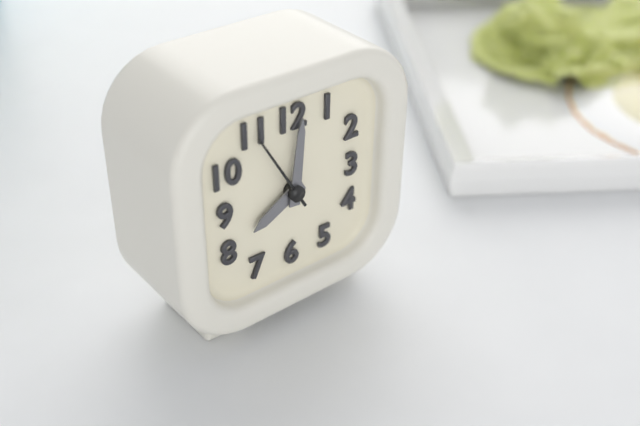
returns 8,01,55
